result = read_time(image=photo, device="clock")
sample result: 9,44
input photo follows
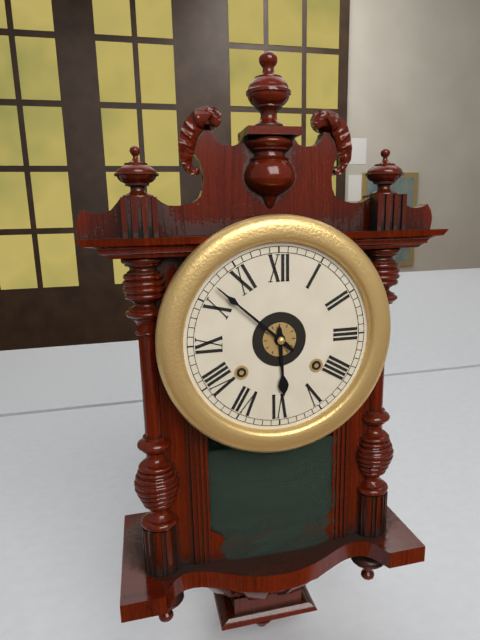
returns 5,52
